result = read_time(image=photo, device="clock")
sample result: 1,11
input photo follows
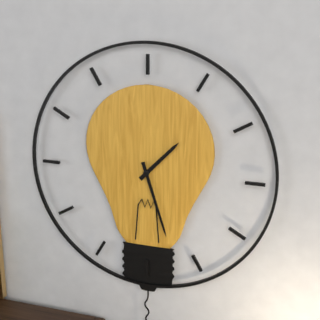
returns 1,27
